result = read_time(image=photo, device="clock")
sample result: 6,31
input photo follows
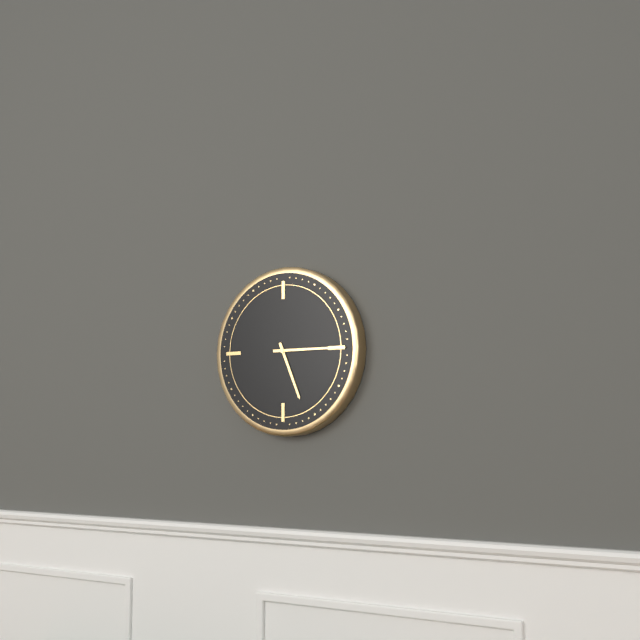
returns 5,15
